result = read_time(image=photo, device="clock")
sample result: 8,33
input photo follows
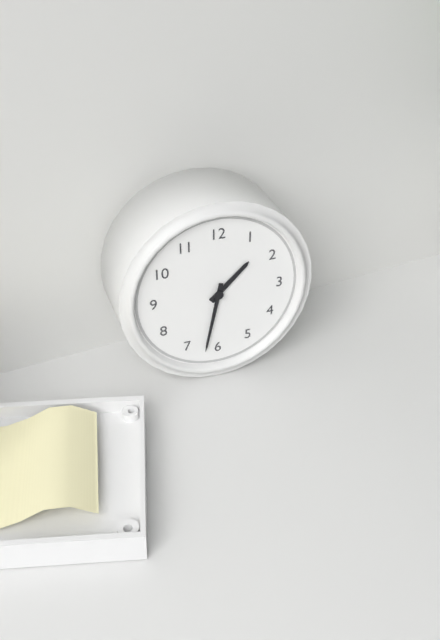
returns 1,32
